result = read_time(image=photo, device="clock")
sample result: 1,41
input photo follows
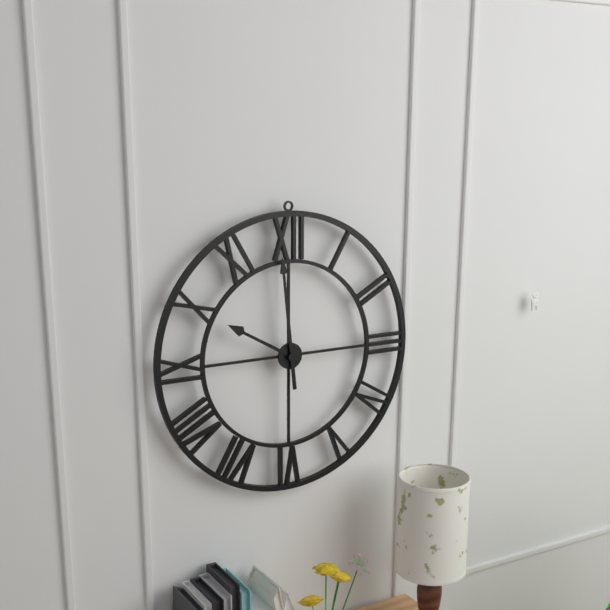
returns 9,59
